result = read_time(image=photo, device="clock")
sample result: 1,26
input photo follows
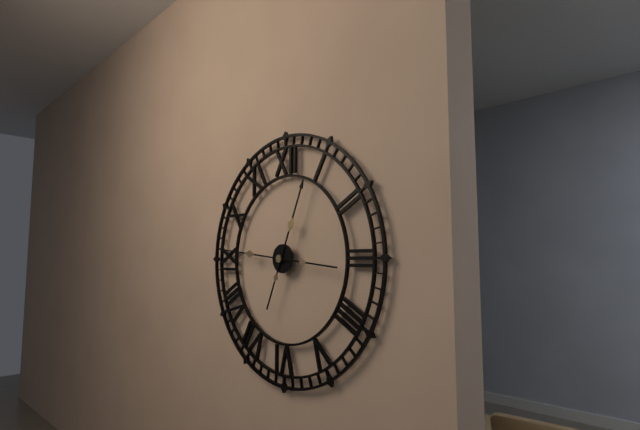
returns 12,46
